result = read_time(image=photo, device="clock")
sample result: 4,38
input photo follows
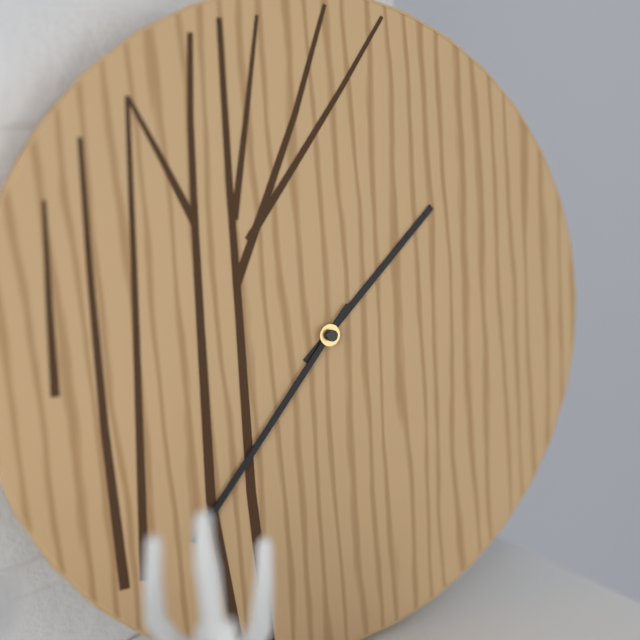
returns 1,37
